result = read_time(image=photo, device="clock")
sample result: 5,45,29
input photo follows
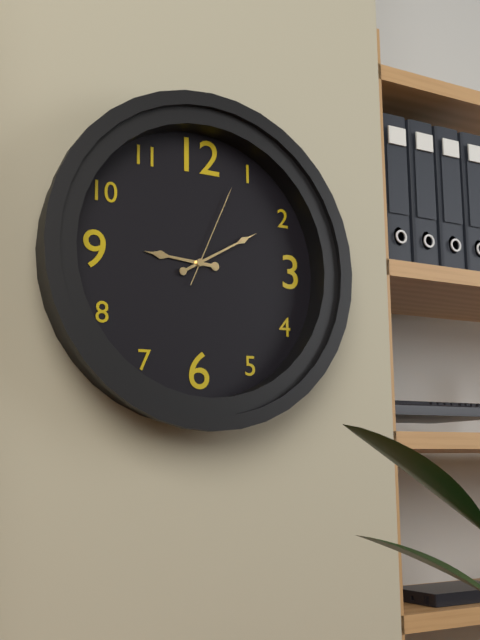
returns 9,10,04
